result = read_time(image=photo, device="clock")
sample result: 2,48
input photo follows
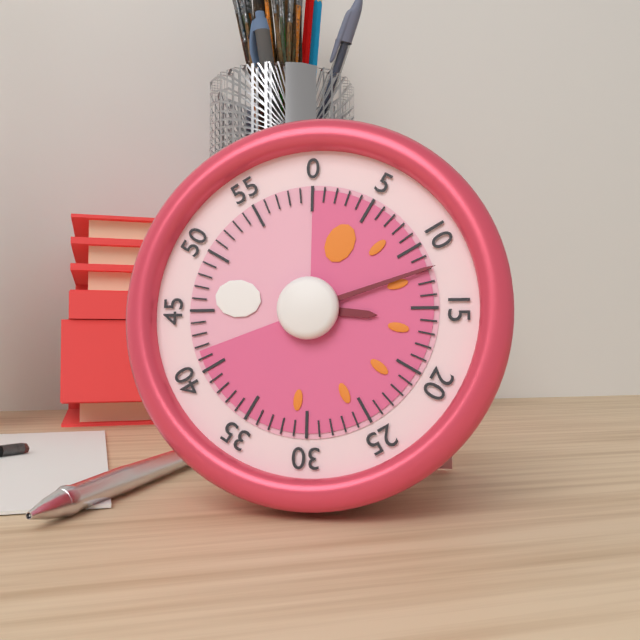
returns 3,12
